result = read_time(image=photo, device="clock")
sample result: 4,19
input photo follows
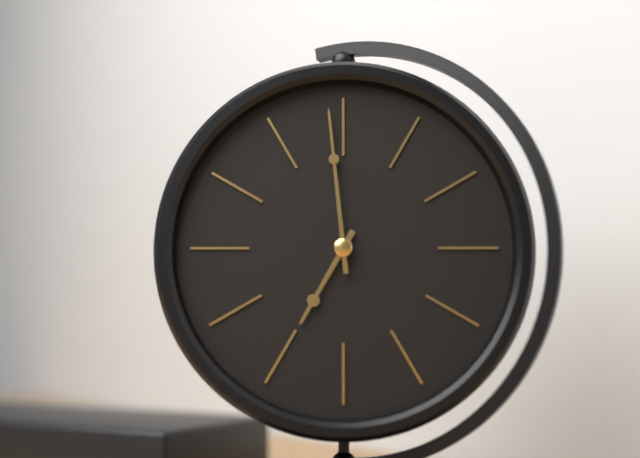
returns 6,59
